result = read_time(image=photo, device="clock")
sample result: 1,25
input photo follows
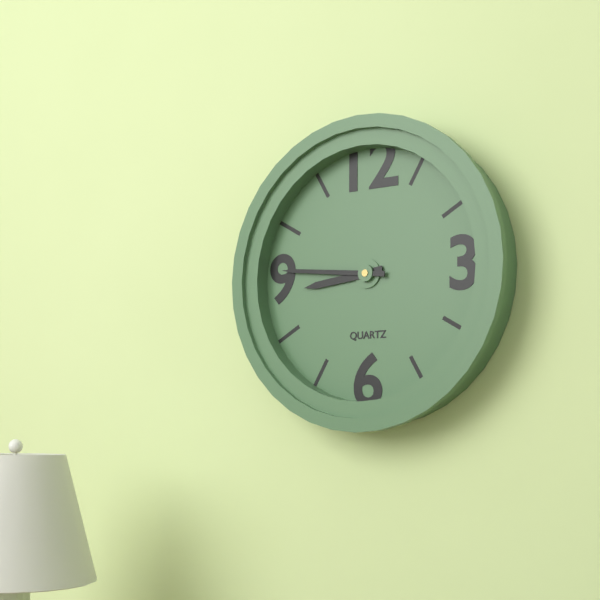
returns 8,46
